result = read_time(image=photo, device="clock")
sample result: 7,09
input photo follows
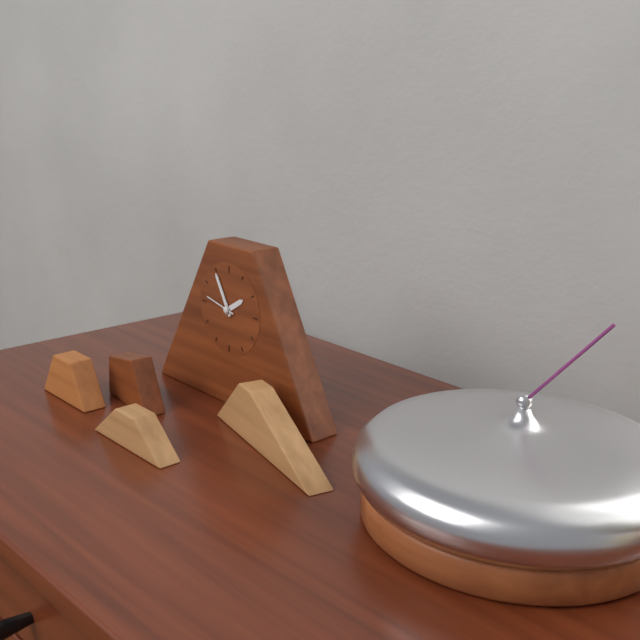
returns 1,55
